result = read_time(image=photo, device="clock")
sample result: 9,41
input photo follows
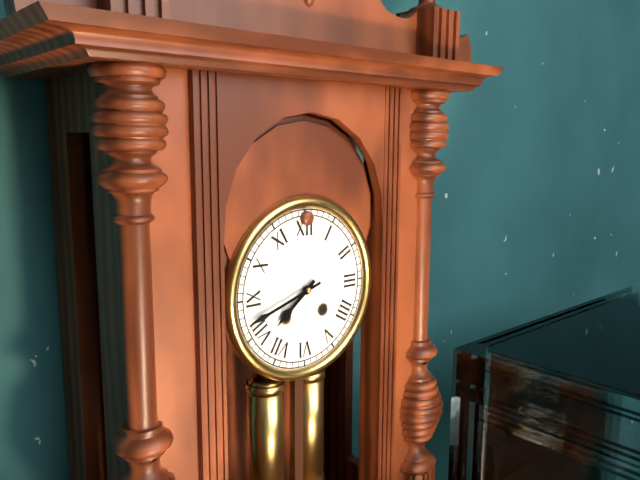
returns 7,42
